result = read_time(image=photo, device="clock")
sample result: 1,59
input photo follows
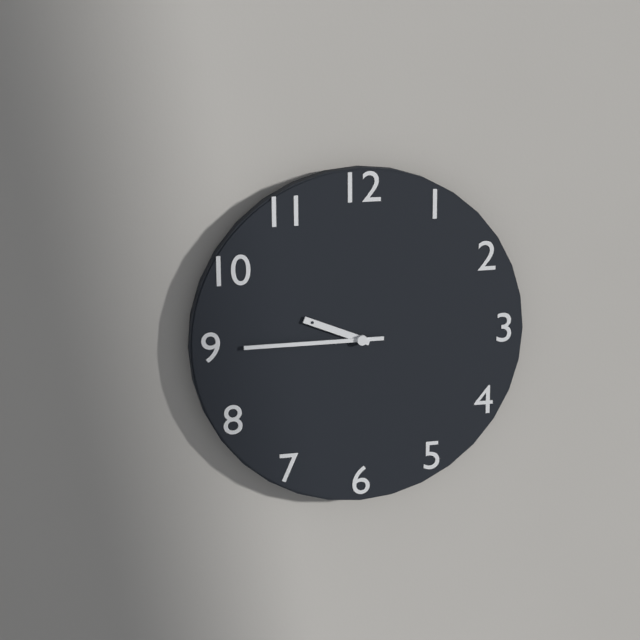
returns 9,45
